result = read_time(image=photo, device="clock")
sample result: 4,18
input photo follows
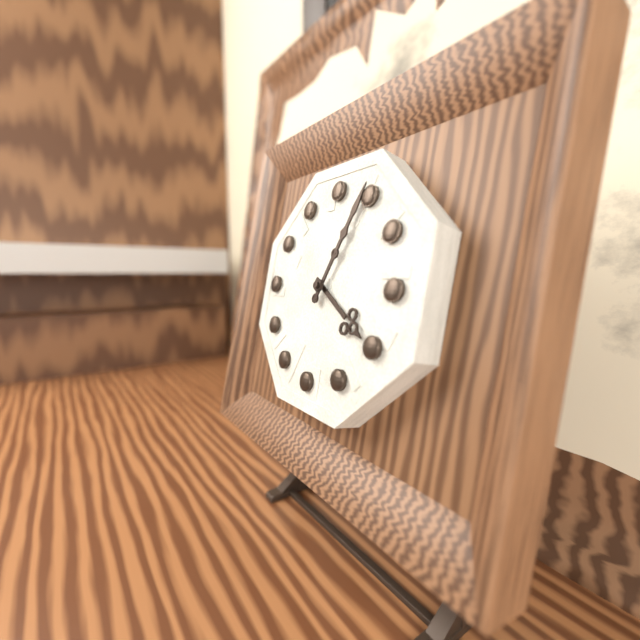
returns 4,04
